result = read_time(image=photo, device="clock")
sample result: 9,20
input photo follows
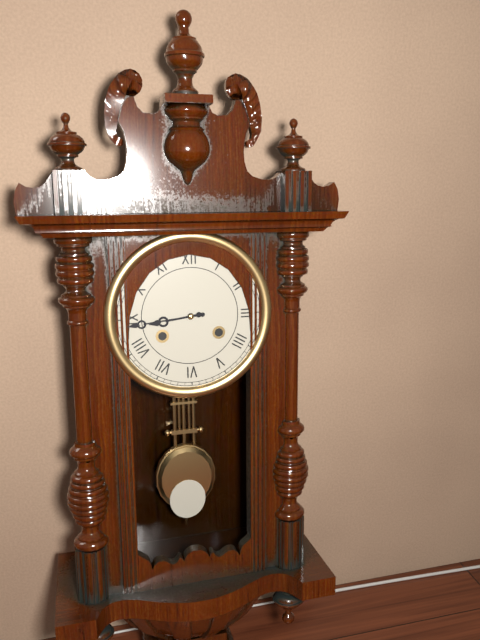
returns 8,44
